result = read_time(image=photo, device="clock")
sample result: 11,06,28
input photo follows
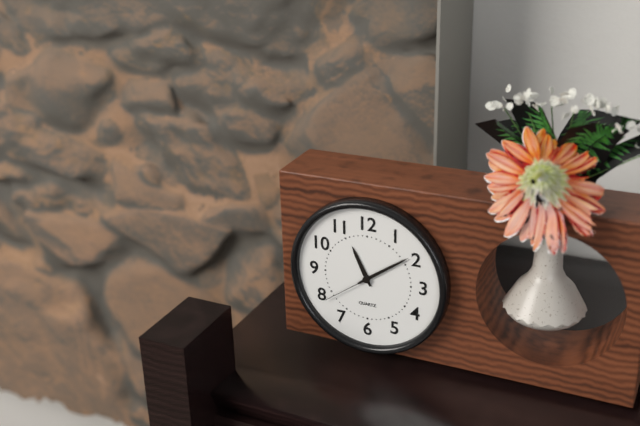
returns 11,09,39
